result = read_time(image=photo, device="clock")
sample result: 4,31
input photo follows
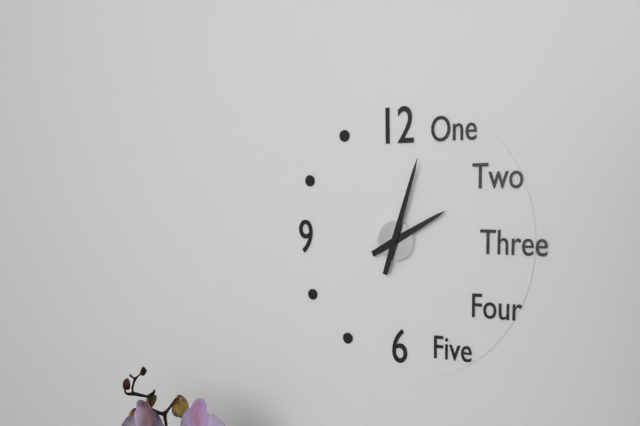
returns 2,03
